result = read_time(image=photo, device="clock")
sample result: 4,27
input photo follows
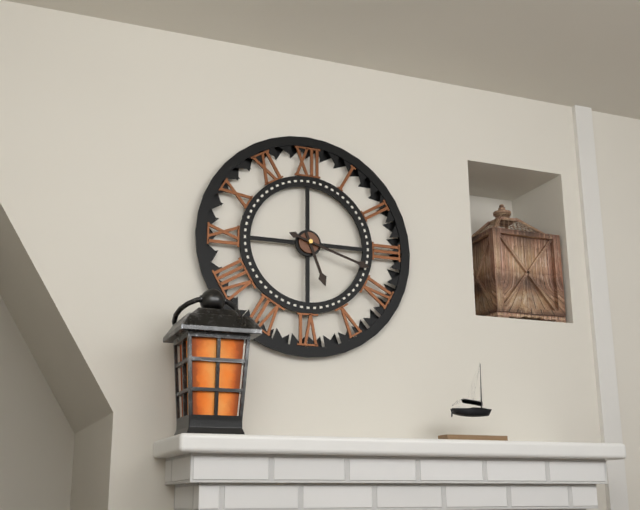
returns 5,18
